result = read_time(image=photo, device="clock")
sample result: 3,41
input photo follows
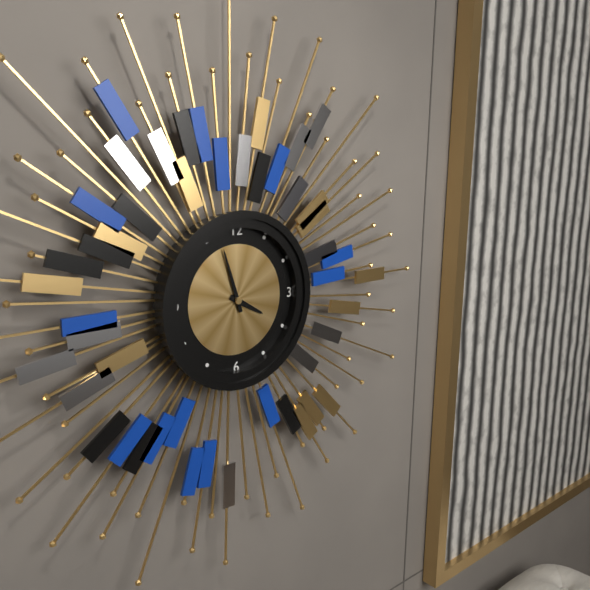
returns 3,57
